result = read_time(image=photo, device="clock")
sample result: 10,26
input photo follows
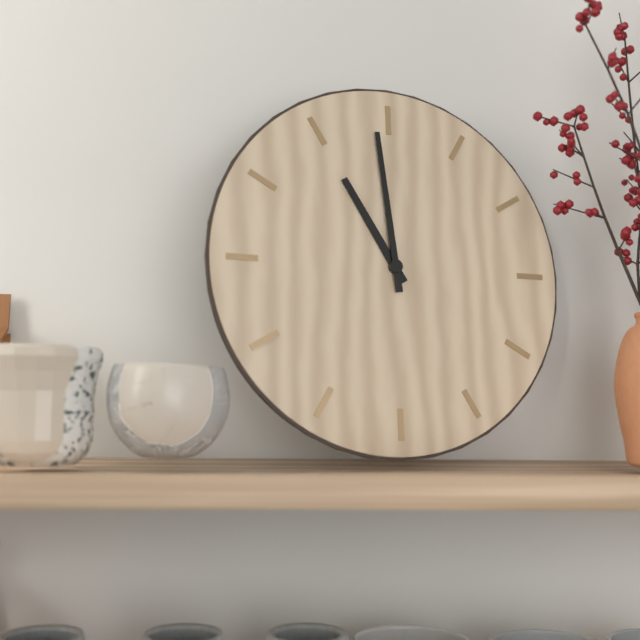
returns 10,59
